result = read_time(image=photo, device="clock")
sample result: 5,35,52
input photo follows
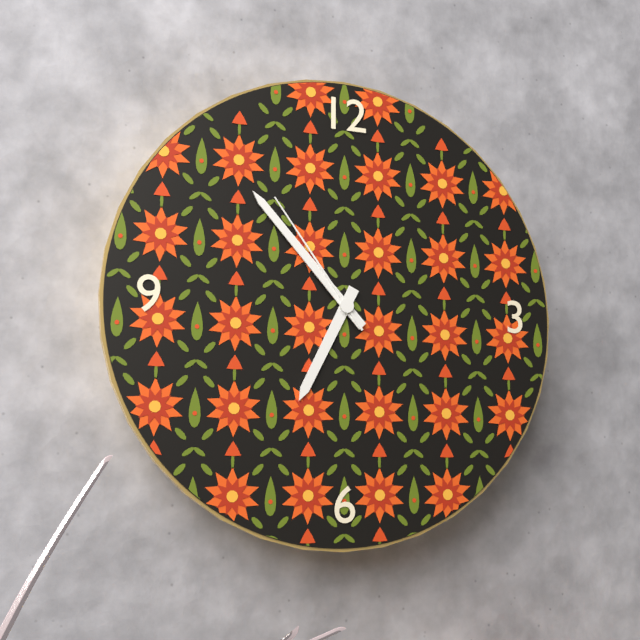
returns 6,53,54
